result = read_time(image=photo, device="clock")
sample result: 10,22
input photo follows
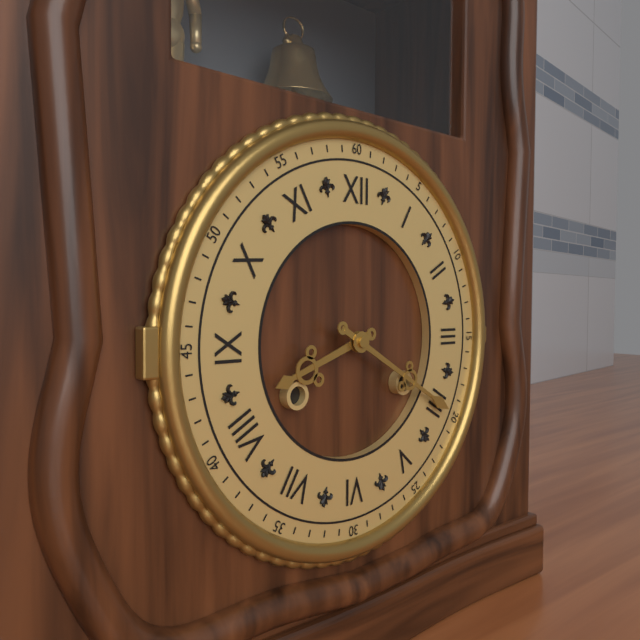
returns 8,20
